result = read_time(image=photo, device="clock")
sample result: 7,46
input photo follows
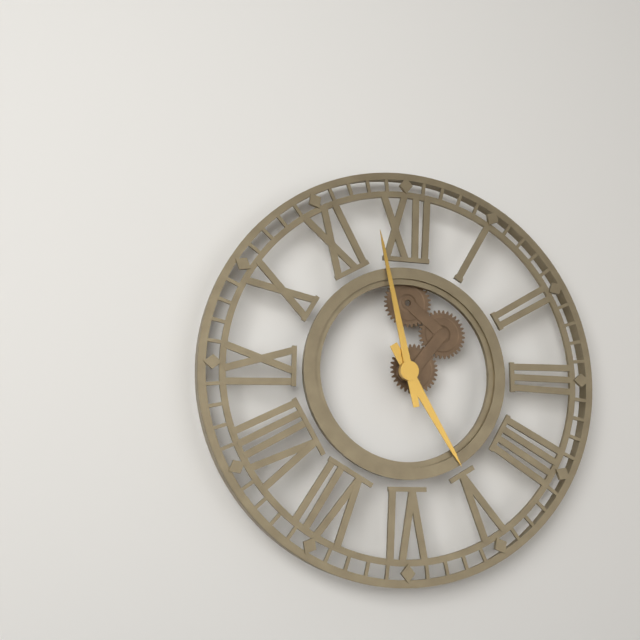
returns 4,58
